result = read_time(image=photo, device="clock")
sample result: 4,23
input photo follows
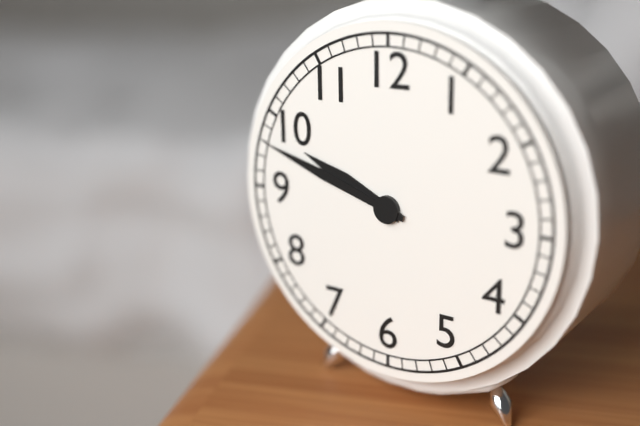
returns 9,48
